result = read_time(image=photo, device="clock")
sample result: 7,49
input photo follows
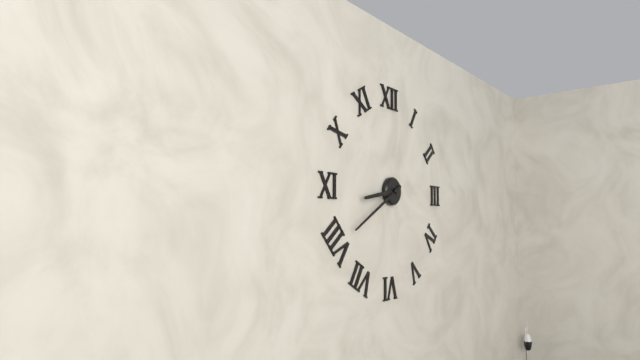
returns 8,40
